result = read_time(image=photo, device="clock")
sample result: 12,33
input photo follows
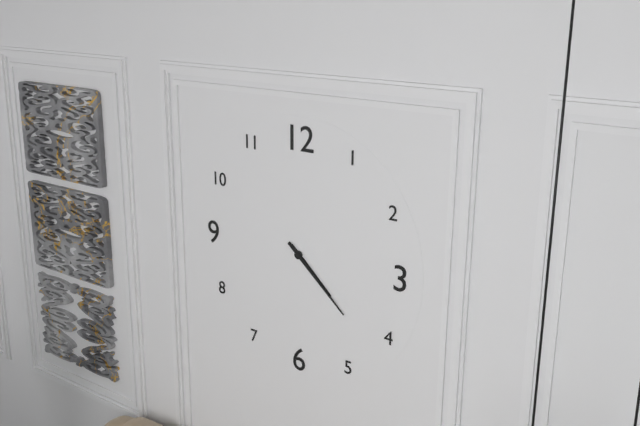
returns 4,22
